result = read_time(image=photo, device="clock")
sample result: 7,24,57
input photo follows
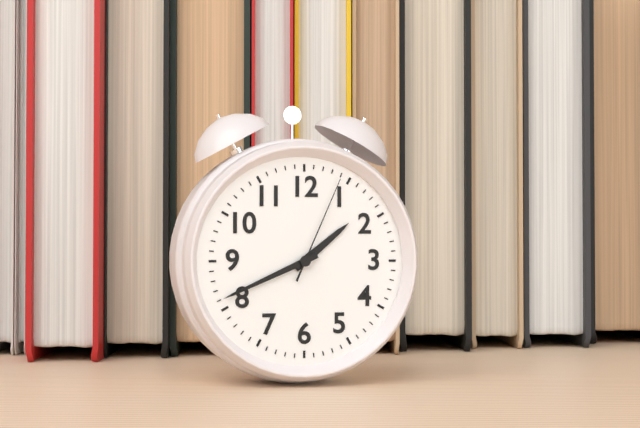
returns 1,41,04
